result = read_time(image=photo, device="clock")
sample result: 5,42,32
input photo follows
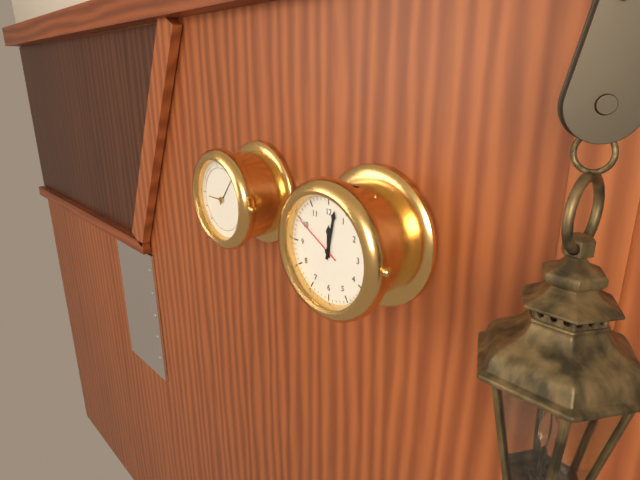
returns 12,02,50
